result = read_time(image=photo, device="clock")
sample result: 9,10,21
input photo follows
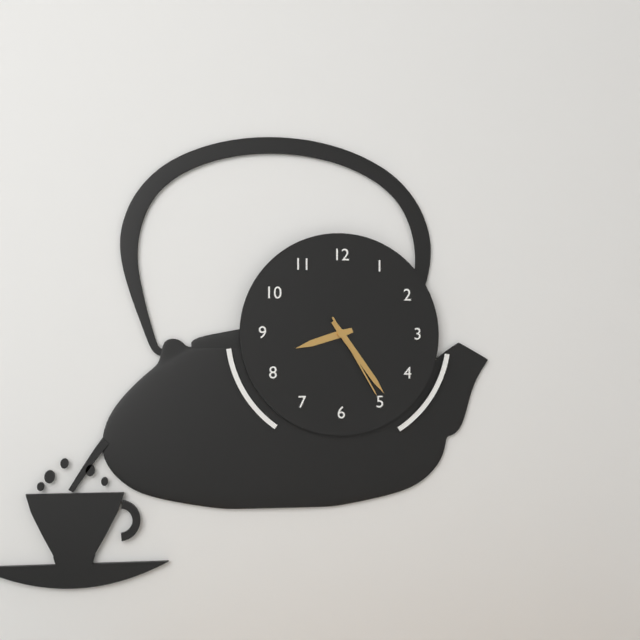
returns 8,24,25
